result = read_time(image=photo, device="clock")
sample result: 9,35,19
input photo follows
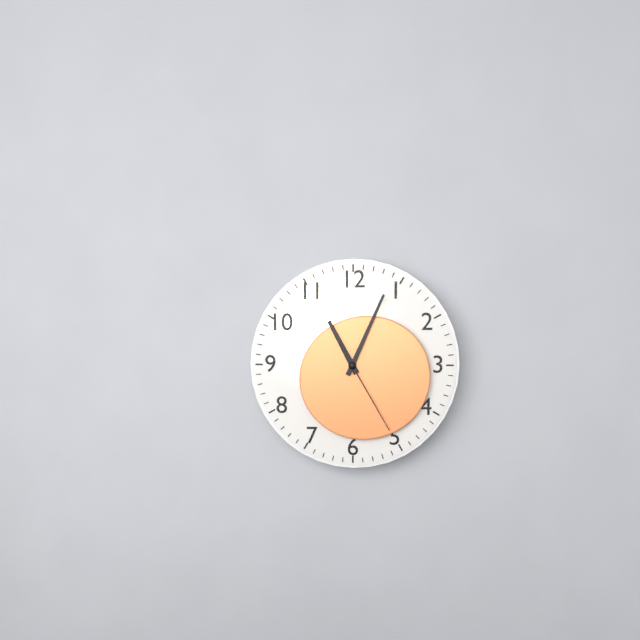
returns 11,04,25
